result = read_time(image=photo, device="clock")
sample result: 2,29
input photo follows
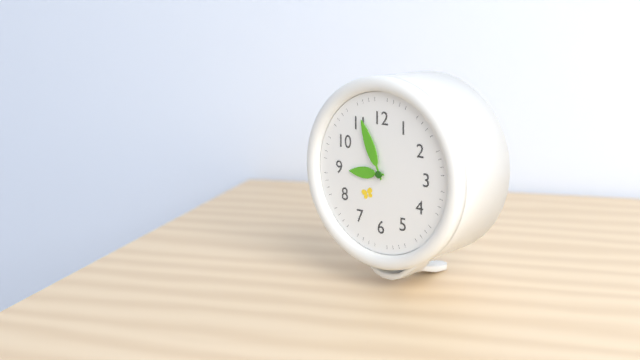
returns 8,56
